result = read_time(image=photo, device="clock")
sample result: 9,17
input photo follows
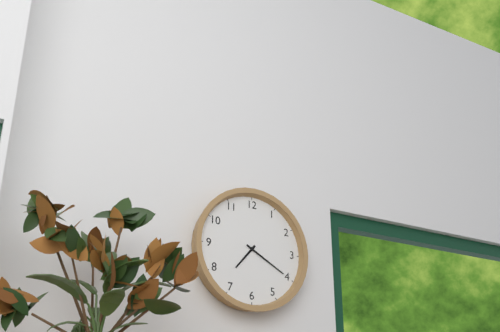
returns 7,20
